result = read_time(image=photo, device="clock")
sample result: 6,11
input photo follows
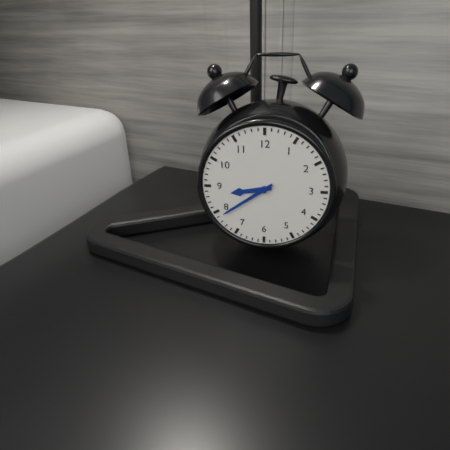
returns 8,39
